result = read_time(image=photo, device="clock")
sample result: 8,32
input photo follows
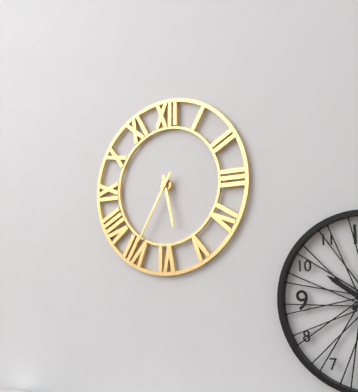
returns 5,35
